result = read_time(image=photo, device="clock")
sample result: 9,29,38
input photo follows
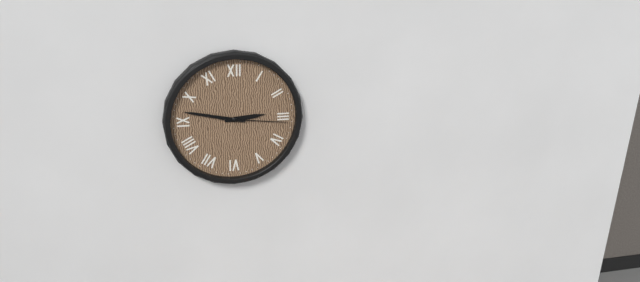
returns 2,47,16
